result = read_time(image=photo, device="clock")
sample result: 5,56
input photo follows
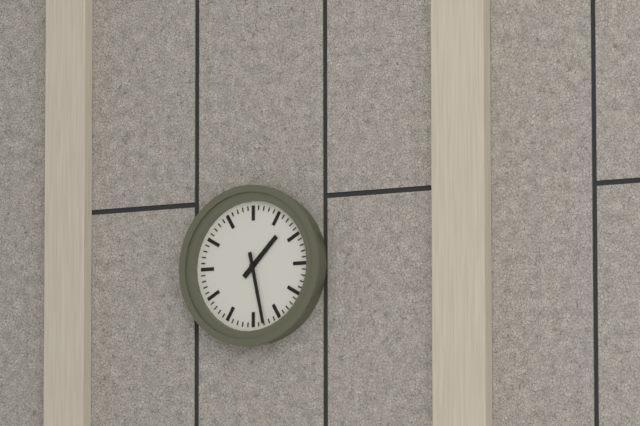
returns 1,28
